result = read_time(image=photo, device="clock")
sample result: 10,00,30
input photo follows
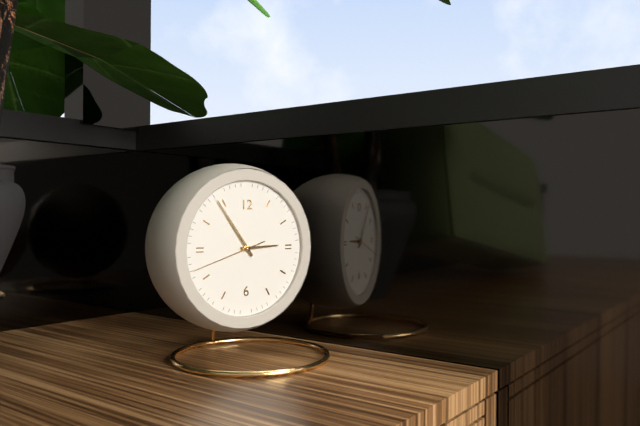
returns 2,54,42
